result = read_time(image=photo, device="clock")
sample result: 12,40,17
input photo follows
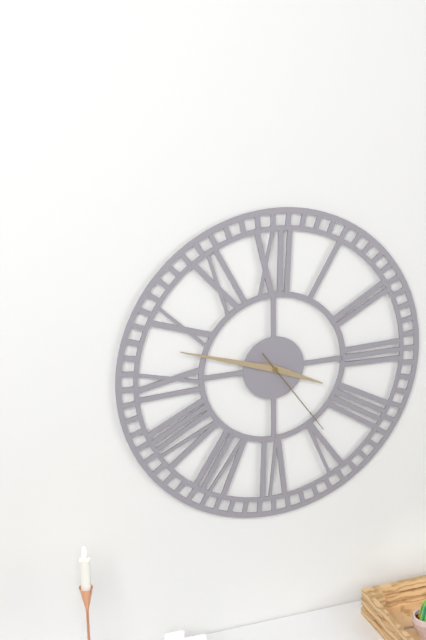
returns 3,48,24
